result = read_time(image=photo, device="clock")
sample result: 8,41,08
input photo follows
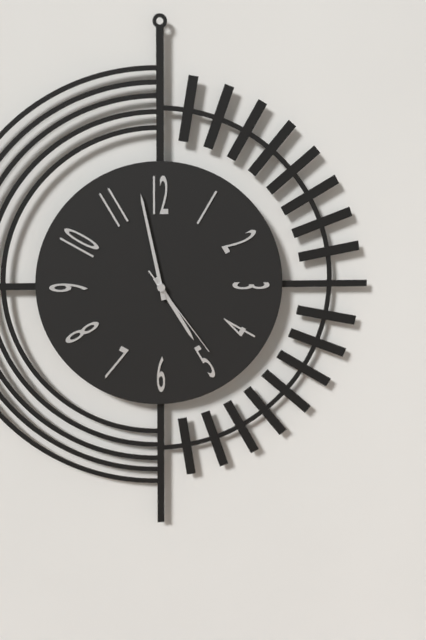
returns 4,58,24
